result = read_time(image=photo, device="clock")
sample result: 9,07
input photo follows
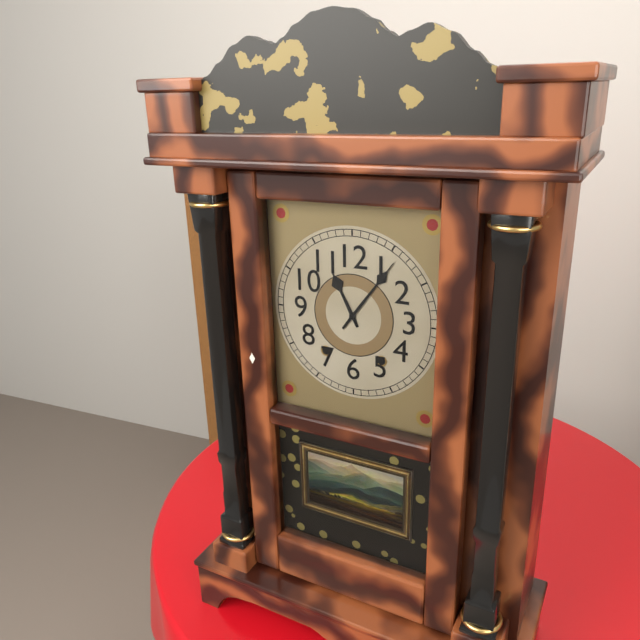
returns 11,06
